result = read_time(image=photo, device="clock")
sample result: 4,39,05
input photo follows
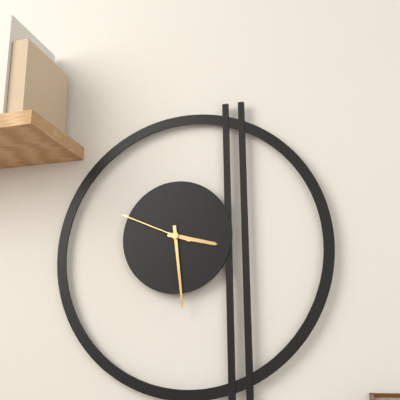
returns 3,29,49
